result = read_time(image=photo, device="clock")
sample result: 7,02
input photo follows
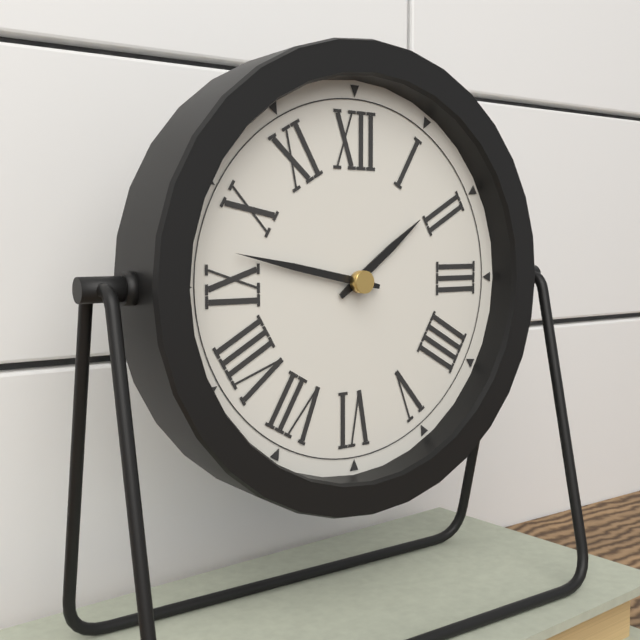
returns 1,47
